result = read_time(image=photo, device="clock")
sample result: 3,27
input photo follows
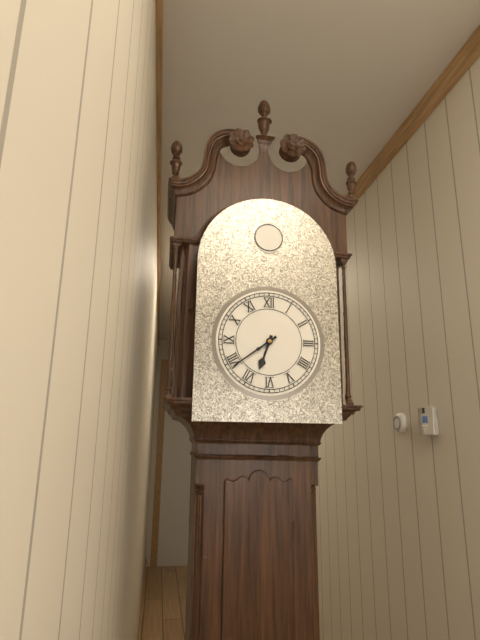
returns 6,39
